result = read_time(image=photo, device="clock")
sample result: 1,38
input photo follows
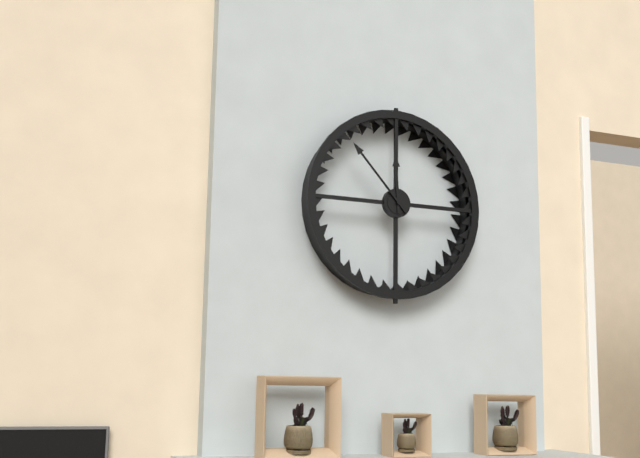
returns 11,53
